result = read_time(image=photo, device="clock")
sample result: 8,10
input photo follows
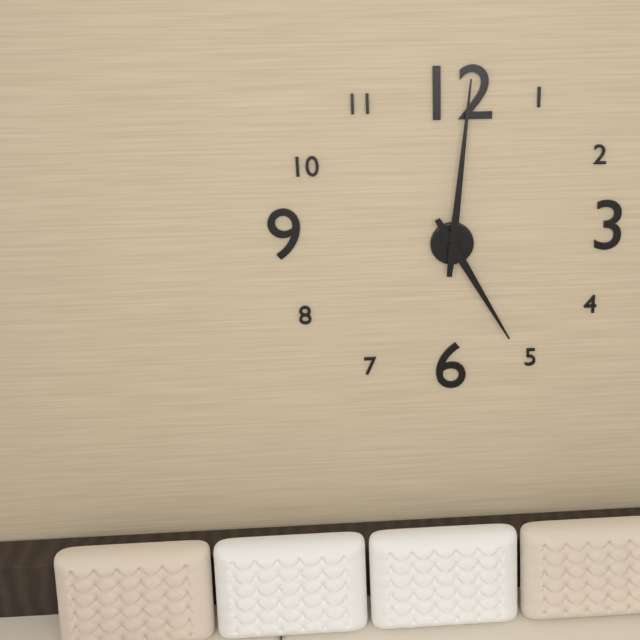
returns 5,01
